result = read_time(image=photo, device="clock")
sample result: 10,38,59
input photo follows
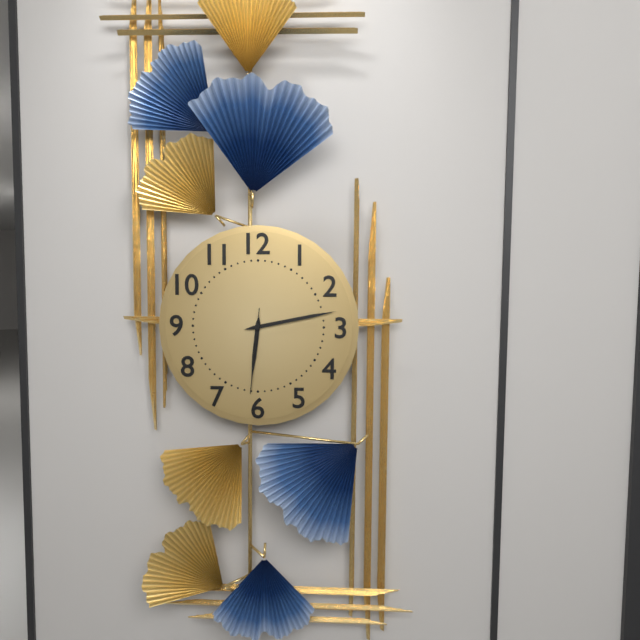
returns 6,13,31
